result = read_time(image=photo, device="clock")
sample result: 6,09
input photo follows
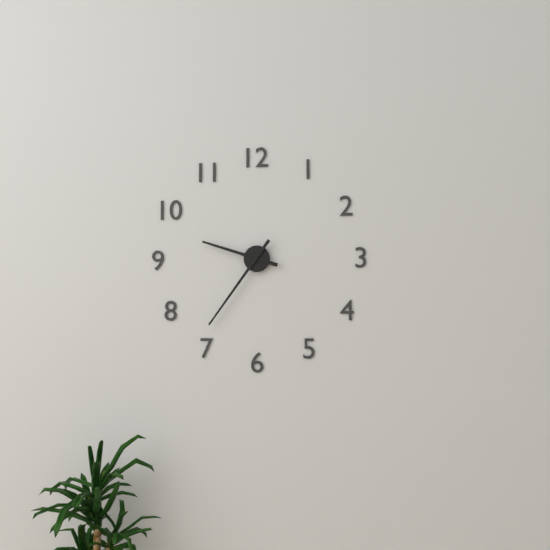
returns 9,36
